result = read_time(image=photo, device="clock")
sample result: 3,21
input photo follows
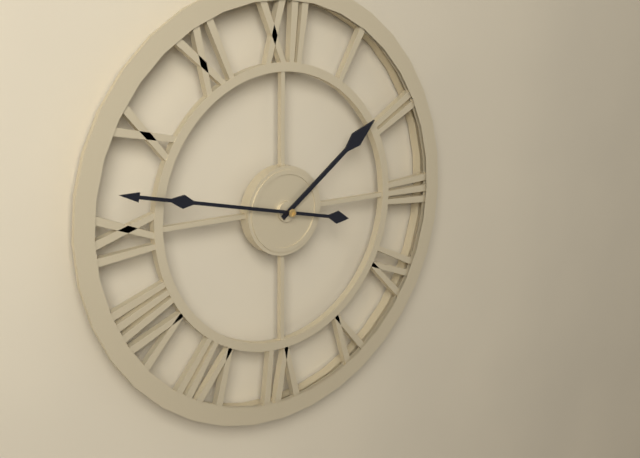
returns 1,47
